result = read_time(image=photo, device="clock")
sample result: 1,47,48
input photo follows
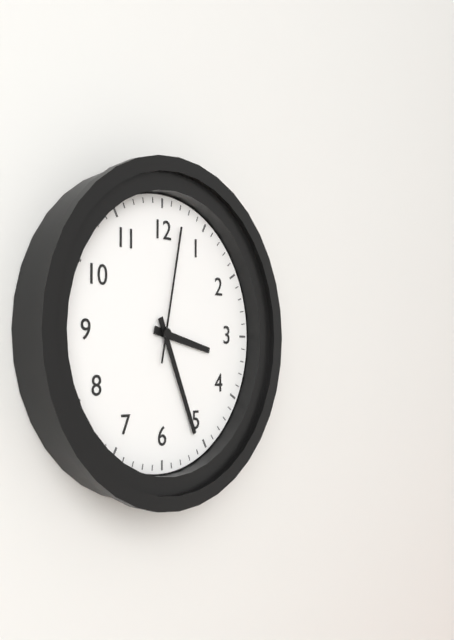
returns 3,26,02
